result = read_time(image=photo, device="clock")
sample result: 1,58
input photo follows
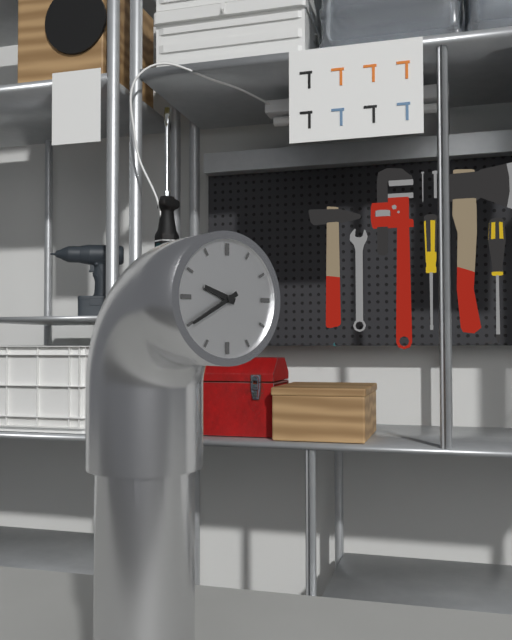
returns 9,40
